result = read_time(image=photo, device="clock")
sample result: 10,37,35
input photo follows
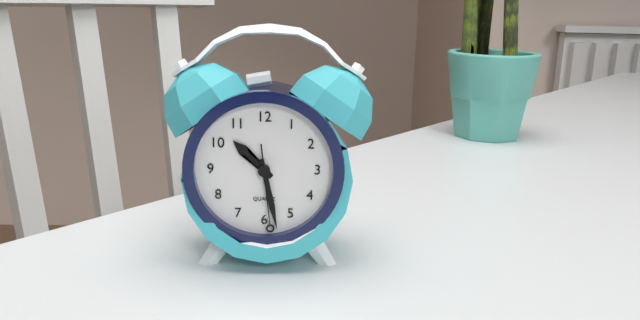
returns 10,28,29
